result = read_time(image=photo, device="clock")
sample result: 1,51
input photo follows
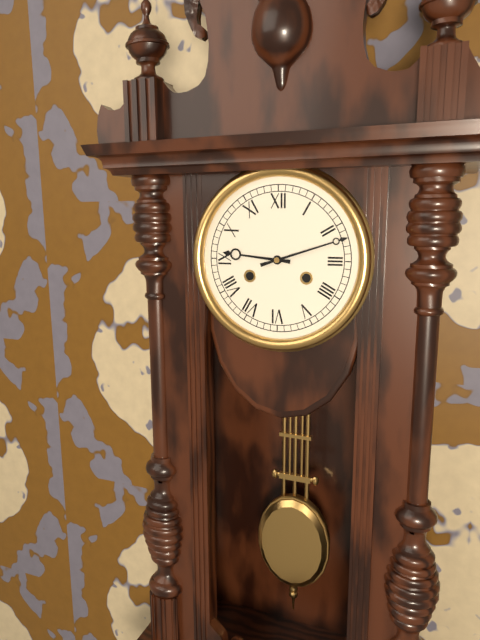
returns 9,12
